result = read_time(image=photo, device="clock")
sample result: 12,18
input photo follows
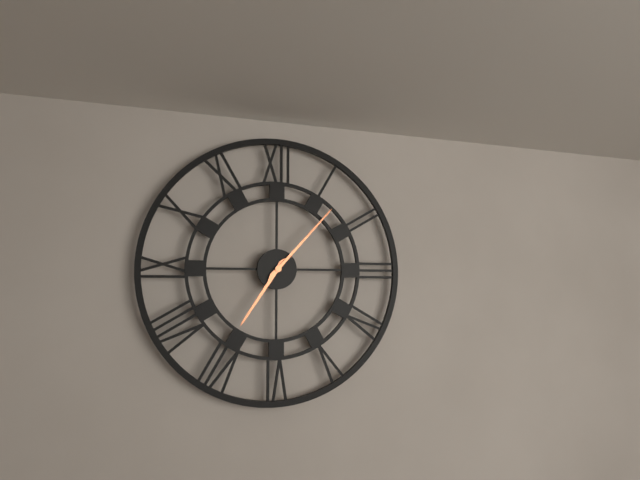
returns 7,07
